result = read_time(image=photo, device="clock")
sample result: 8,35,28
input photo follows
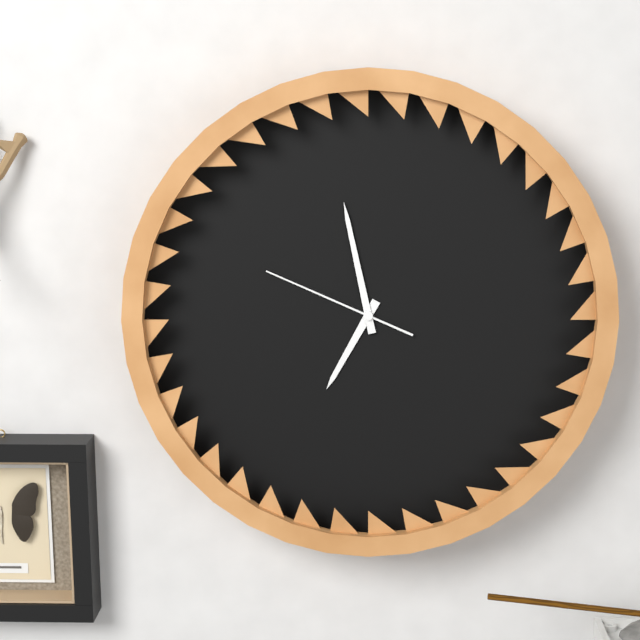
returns 6,58,49
